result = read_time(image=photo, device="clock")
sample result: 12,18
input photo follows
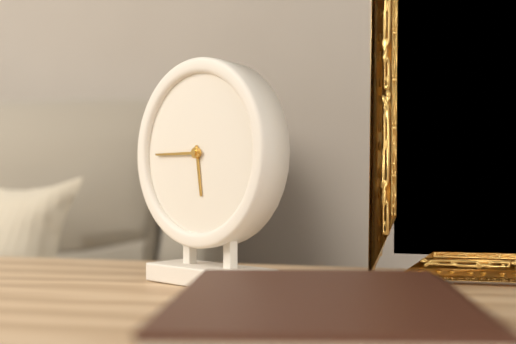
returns 5,45
